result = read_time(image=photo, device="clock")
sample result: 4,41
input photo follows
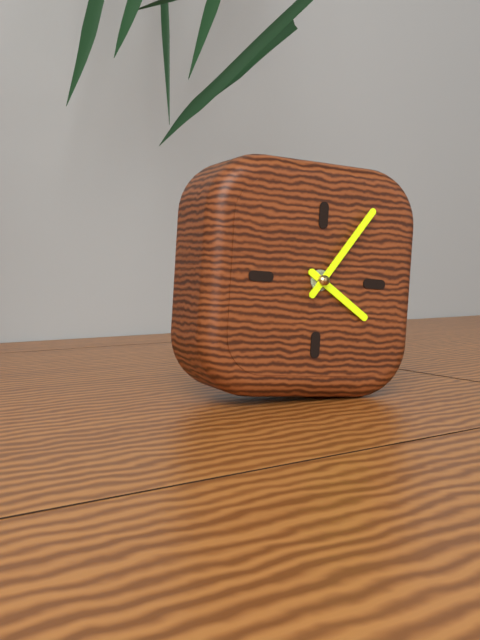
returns 4,06
